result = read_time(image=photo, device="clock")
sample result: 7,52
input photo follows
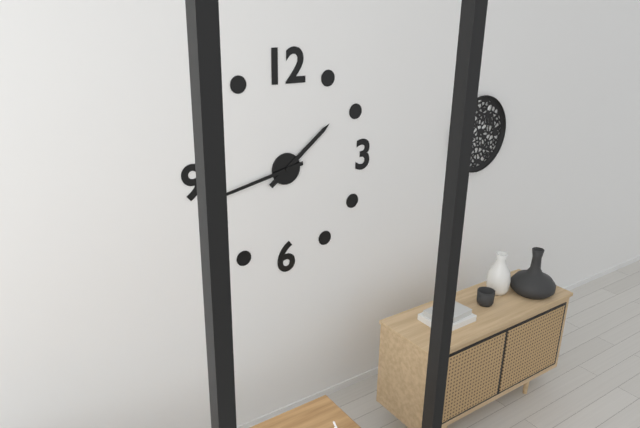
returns 1,43
